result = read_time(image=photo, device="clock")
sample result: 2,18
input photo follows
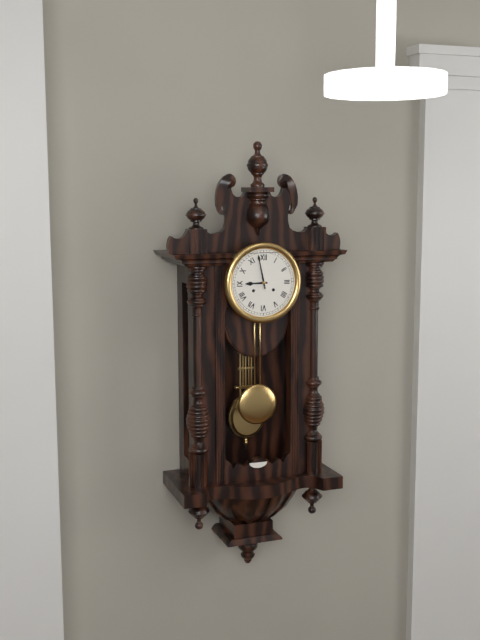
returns 8,58
